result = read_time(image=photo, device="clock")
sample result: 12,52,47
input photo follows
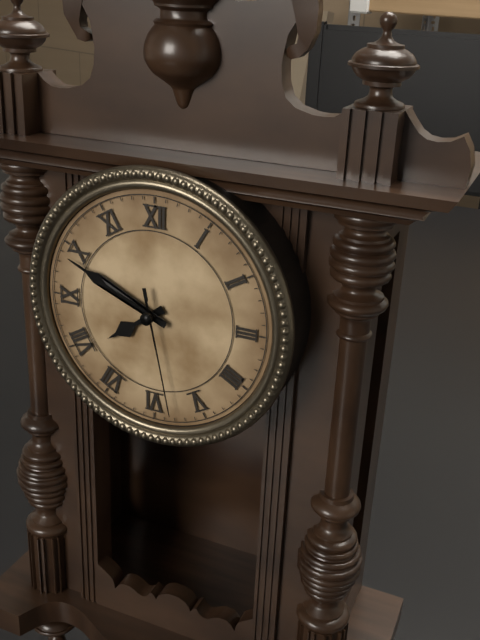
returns 7,49,28
